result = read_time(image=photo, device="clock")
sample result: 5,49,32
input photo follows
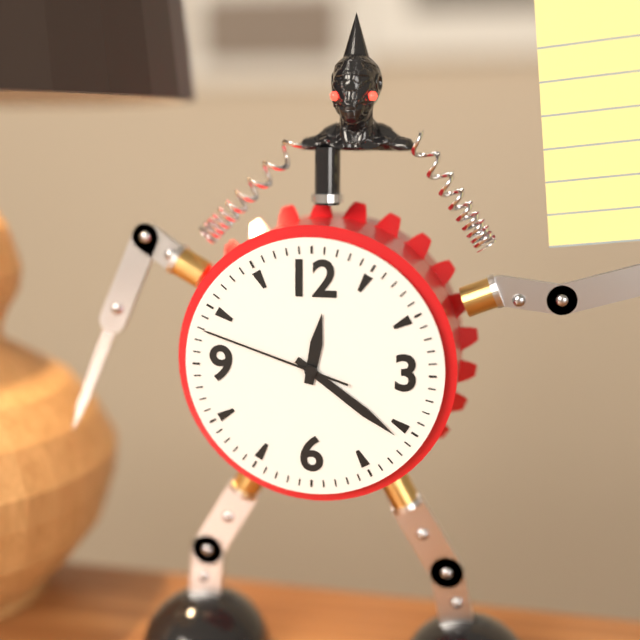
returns 12,21,48
